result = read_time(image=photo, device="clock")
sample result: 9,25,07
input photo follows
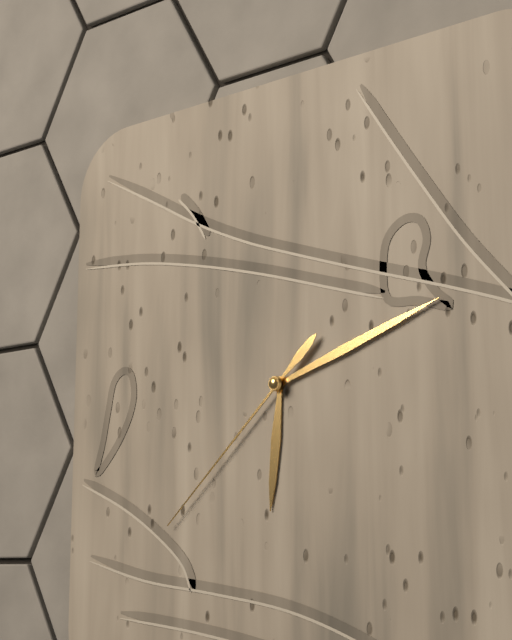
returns 6,12,38
